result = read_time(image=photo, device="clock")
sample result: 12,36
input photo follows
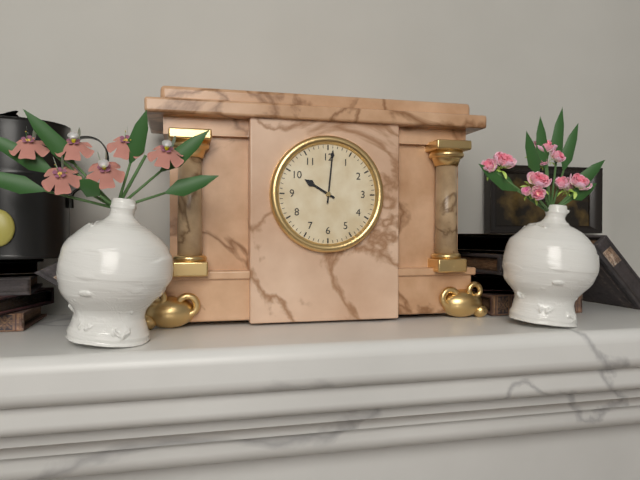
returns 10,01
